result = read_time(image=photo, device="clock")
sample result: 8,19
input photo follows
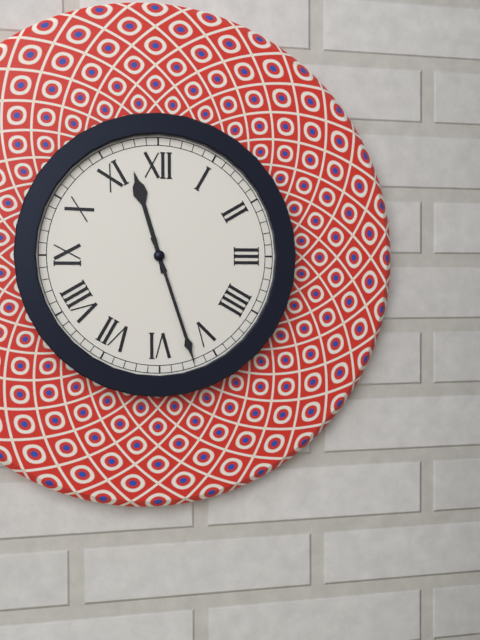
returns 11,27
